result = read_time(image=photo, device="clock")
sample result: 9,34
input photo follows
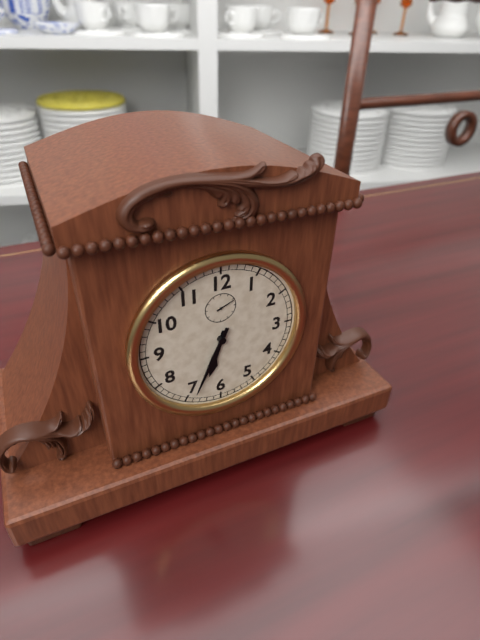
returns 6,34
